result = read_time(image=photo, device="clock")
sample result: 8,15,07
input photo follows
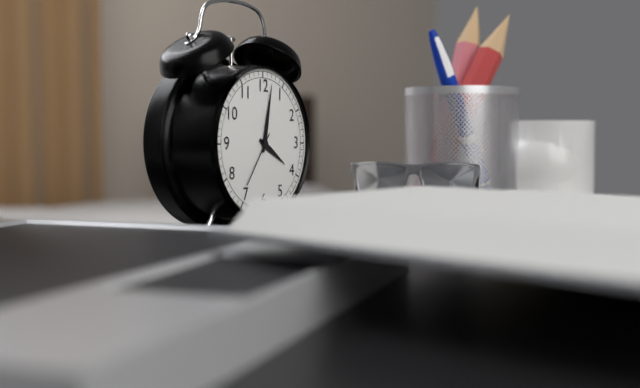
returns 4,02,36
